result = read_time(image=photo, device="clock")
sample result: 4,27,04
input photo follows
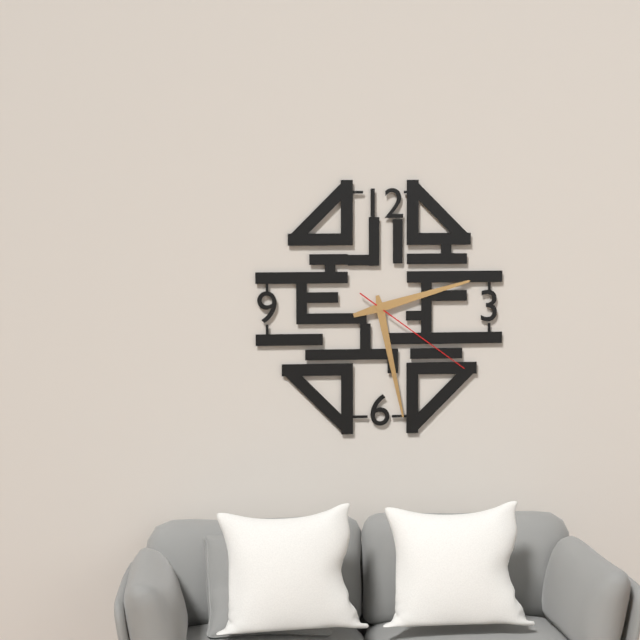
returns 2,28,21
